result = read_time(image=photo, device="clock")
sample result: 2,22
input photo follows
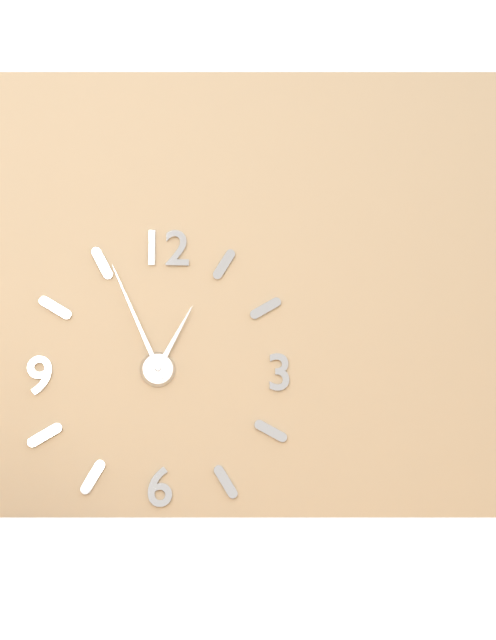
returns 12,56
